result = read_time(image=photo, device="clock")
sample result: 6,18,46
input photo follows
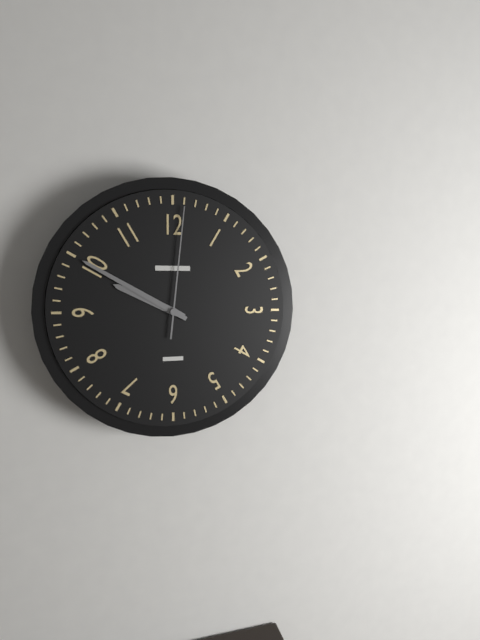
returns 9,50,01
